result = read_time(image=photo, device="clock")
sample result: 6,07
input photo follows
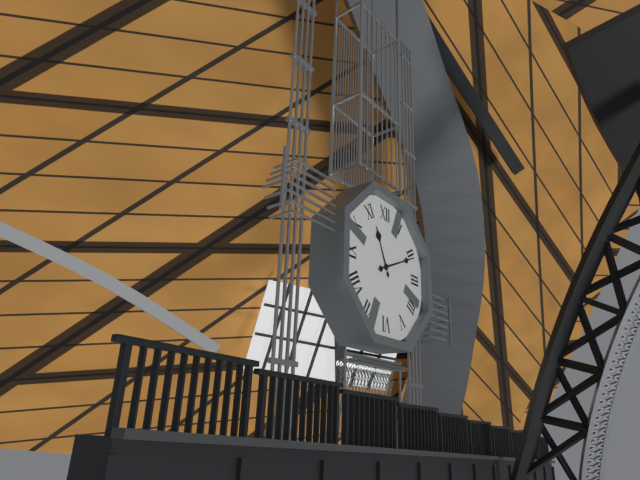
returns 11,11
